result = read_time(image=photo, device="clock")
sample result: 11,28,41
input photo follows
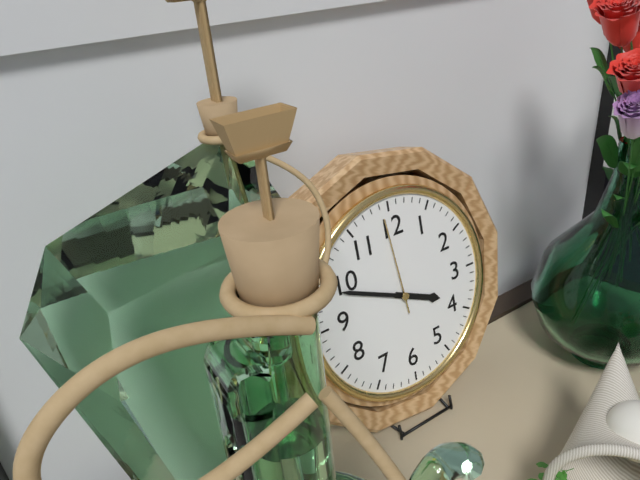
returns 3,49,59
